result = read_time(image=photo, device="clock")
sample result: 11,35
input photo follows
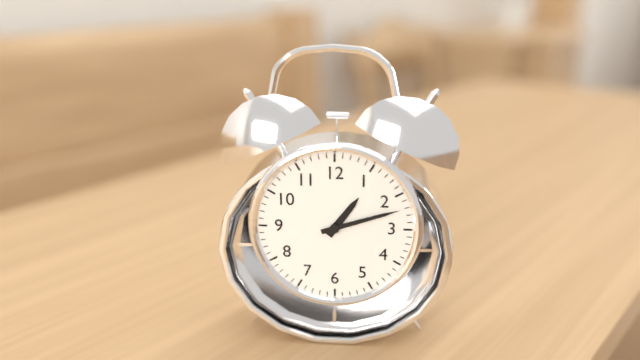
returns 1,12
